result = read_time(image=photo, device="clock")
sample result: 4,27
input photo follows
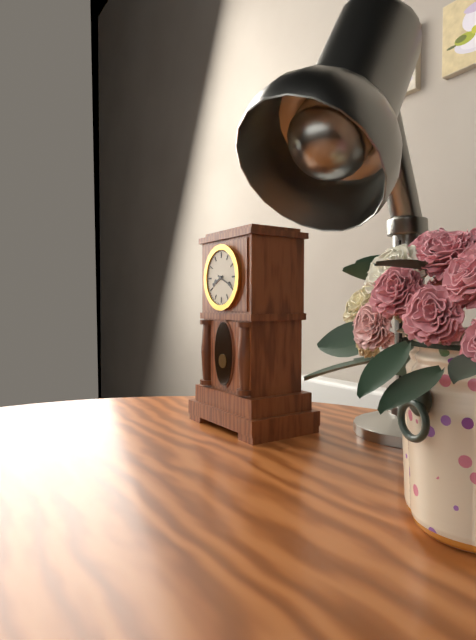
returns 8,19
